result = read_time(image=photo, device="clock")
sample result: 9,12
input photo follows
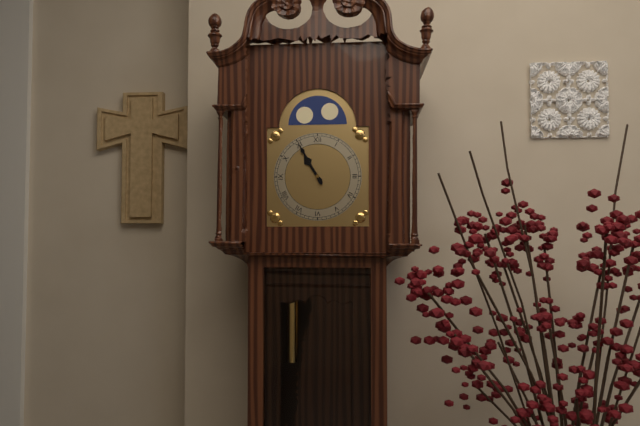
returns 10,55
